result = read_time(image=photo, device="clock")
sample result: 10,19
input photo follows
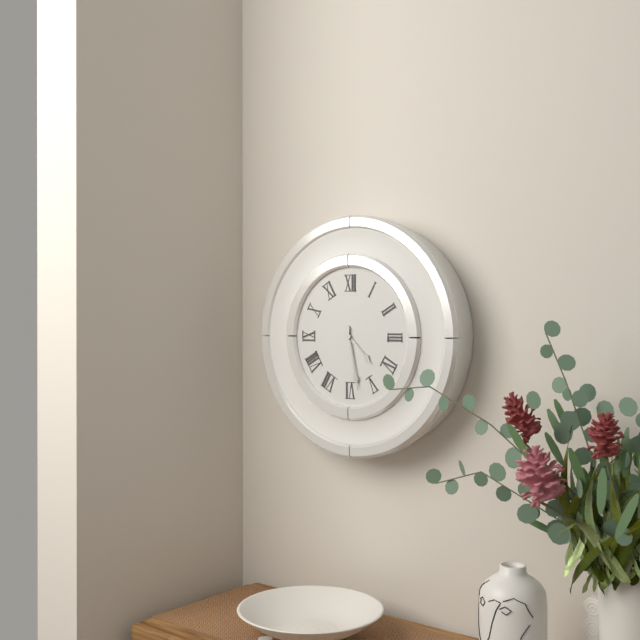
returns 4,28
